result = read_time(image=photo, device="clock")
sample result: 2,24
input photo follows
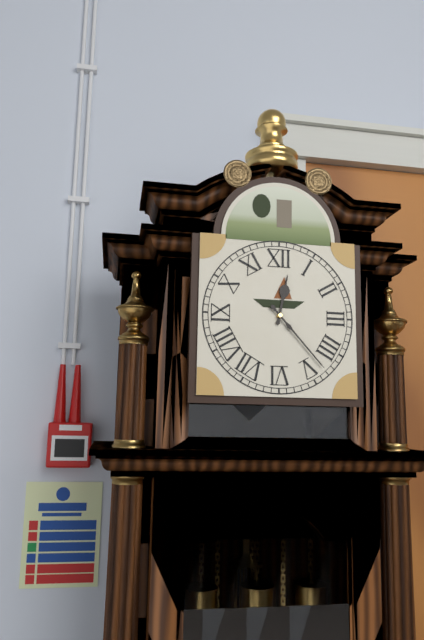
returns 12,23
